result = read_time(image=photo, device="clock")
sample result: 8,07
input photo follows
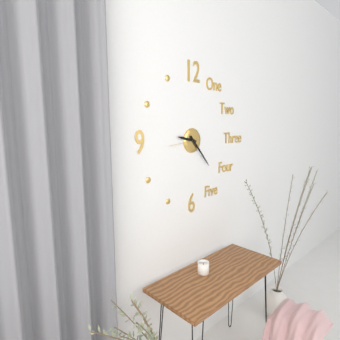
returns 9,23
